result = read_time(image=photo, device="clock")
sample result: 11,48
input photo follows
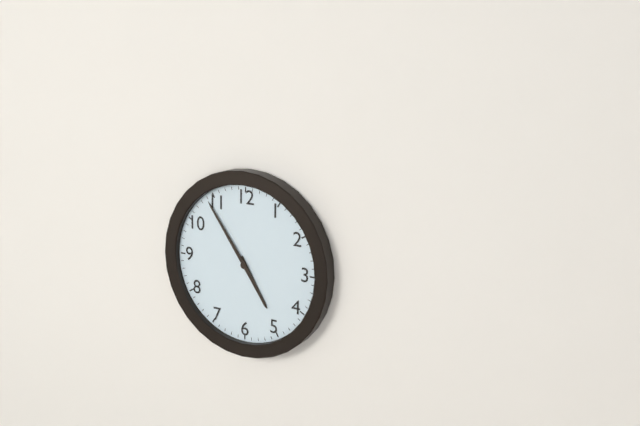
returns 4,54
